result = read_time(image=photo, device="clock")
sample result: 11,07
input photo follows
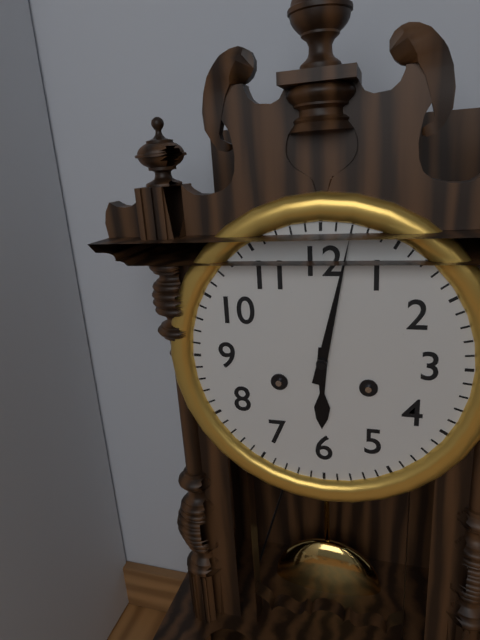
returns 6,02
